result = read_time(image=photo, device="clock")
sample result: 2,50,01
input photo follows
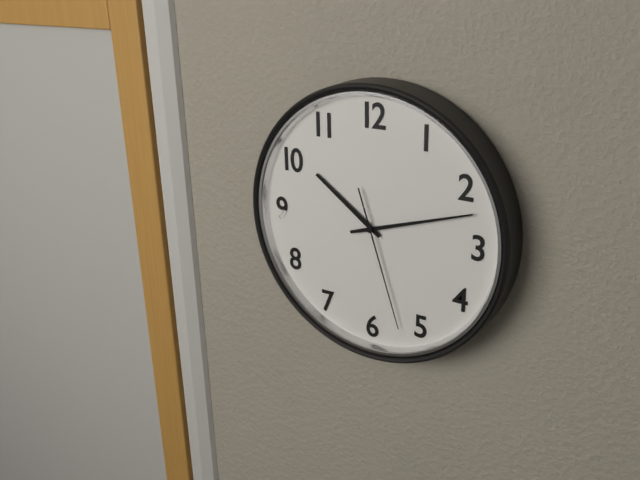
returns 10,12,27
